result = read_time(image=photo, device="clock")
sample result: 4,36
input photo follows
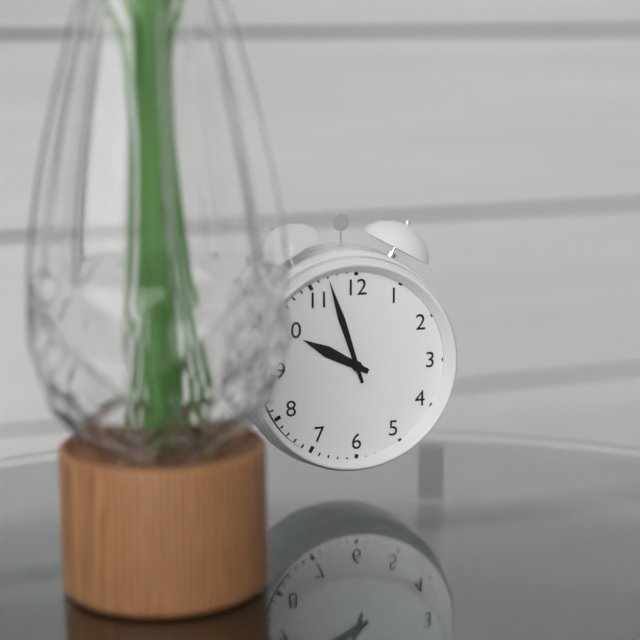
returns 9,57
